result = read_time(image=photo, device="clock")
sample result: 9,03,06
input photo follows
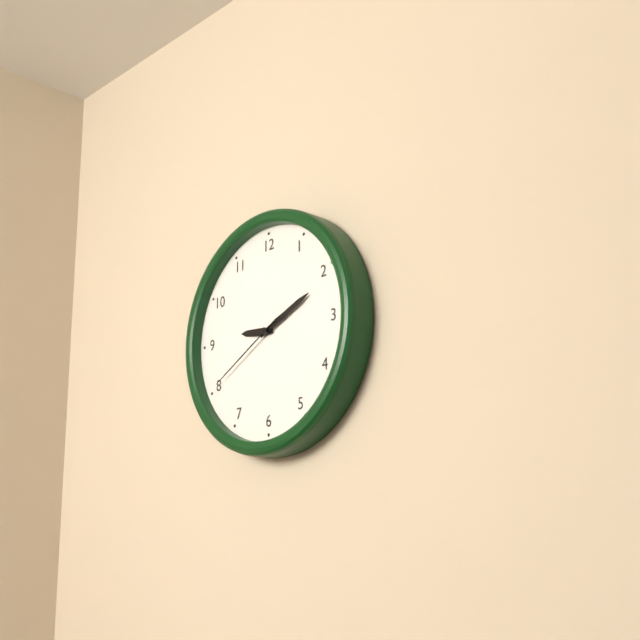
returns 9,11,40
